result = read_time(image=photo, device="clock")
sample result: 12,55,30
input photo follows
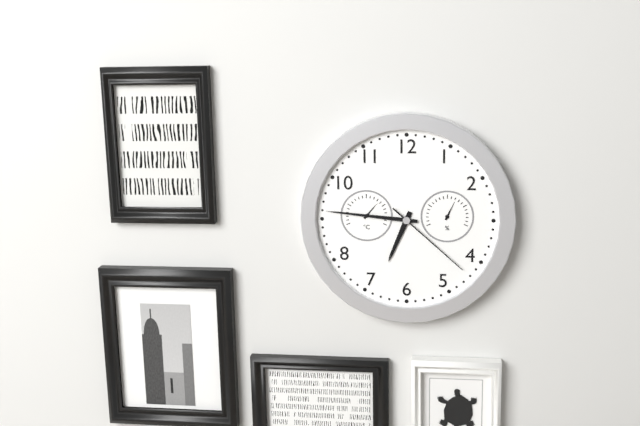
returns 6,46,22
